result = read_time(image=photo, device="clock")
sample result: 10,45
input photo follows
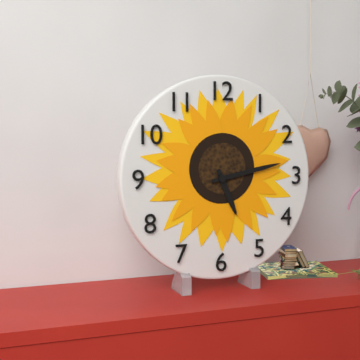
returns 5,13
